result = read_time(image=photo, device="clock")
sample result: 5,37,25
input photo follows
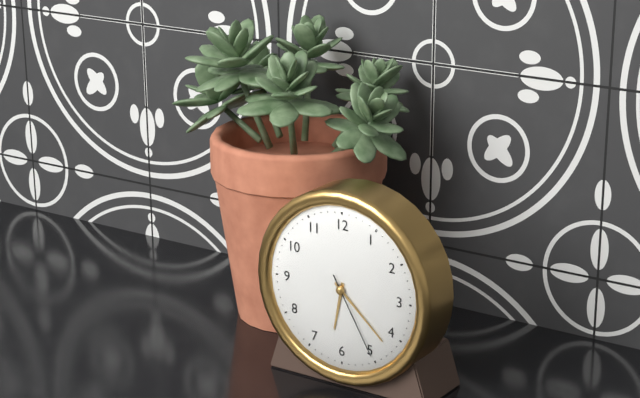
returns 6,22,25
